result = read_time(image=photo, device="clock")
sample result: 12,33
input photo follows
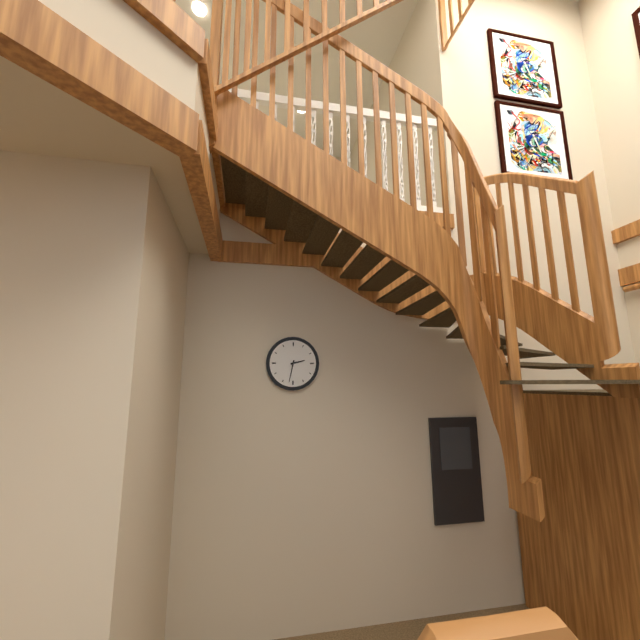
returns 2,32
